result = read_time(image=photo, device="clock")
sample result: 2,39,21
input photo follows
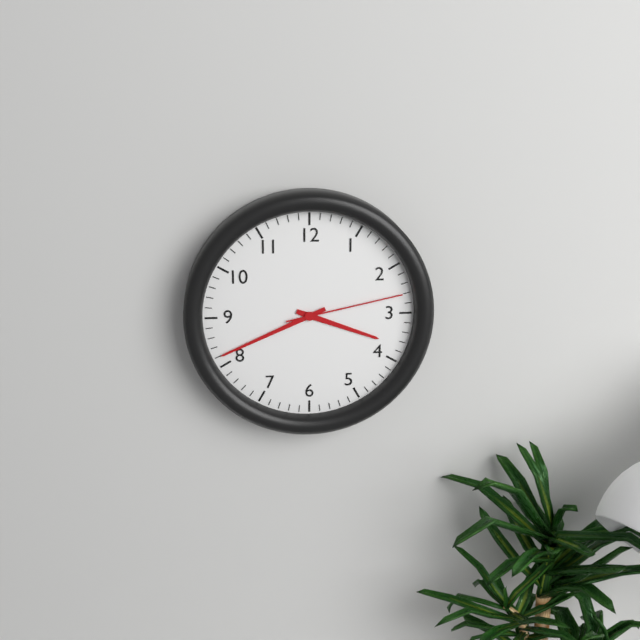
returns 3,41,13
